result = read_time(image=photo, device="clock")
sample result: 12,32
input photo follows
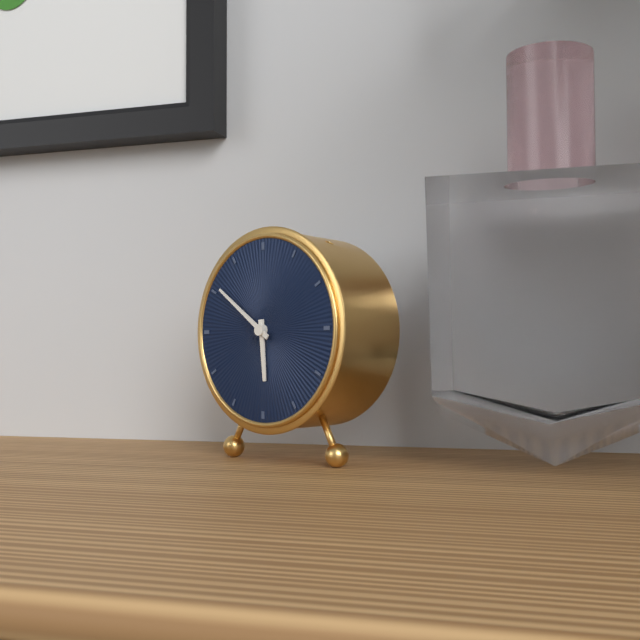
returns 5,51
